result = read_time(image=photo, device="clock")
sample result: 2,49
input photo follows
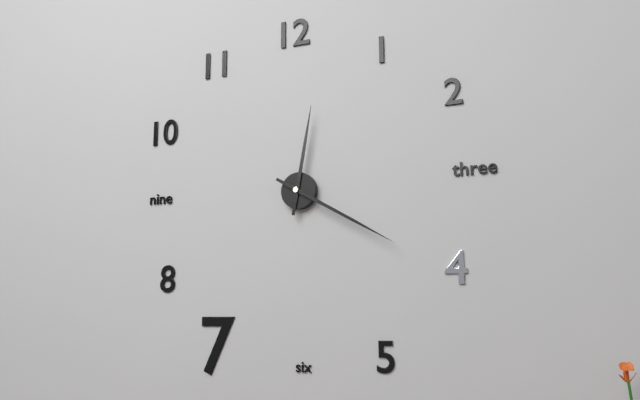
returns 12,20
